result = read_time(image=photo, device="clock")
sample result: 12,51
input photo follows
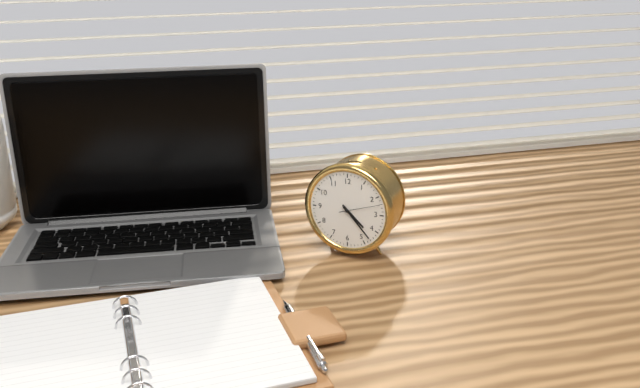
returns 4,23
